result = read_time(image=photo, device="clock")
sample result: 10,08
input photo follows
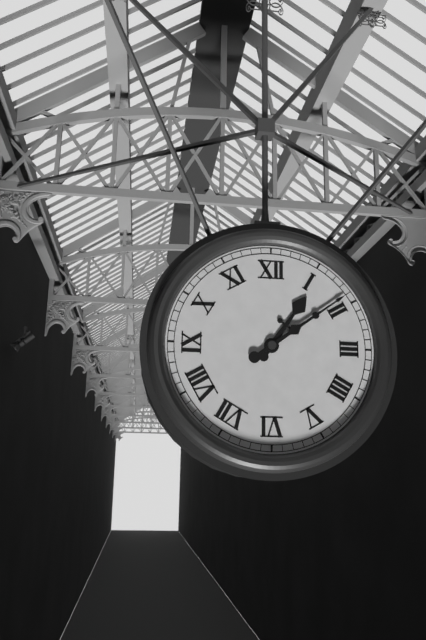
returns 1,09
